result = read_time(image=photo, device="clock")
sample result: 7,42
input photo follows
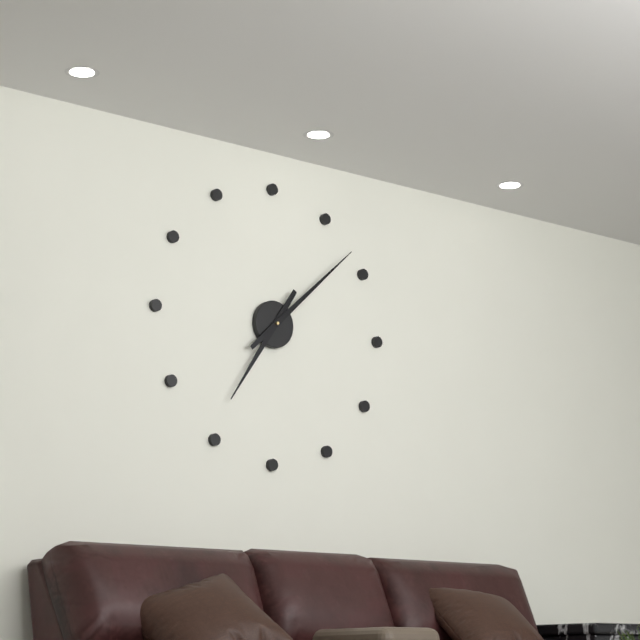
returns 7,08
